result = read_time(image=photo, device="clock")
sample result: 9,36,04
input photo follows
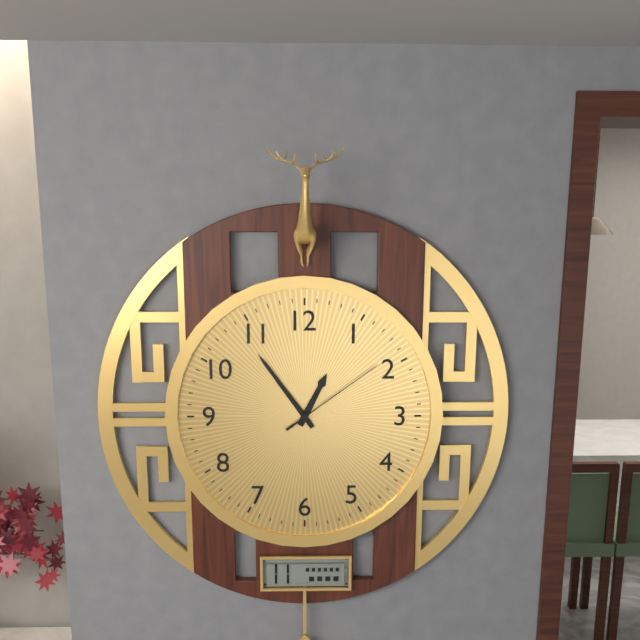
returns 12,54,09
